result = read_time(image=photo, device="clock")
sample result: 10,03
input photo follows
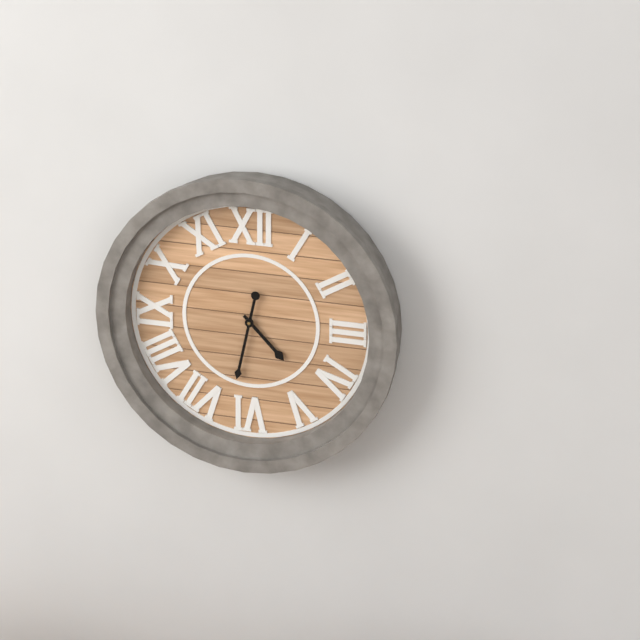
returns 4,32
